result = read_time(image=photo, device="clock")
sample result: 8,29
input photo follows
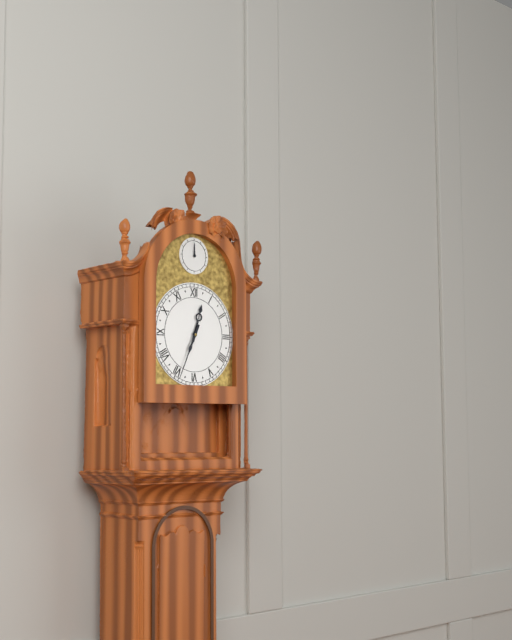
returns 12,34
